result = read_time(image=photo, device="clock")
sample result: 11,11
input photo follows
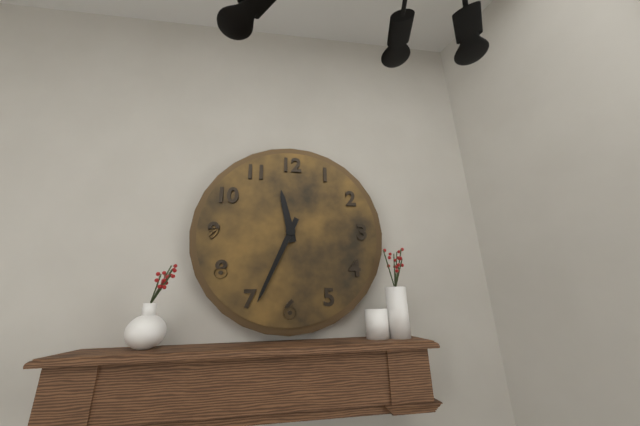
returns 11,34
